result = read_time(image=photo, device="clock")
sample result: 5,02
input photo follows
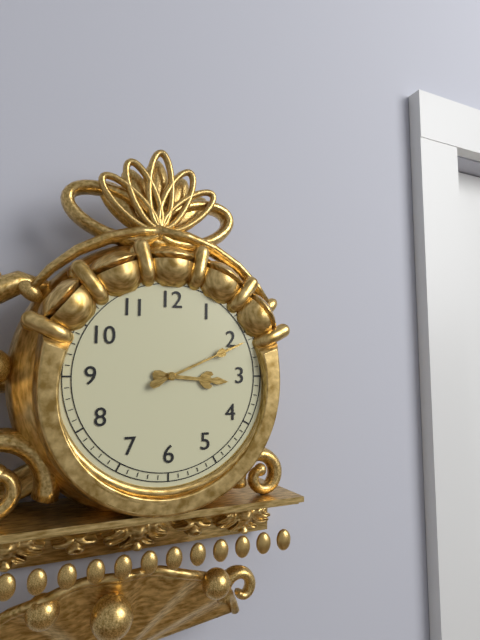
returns 3,11
